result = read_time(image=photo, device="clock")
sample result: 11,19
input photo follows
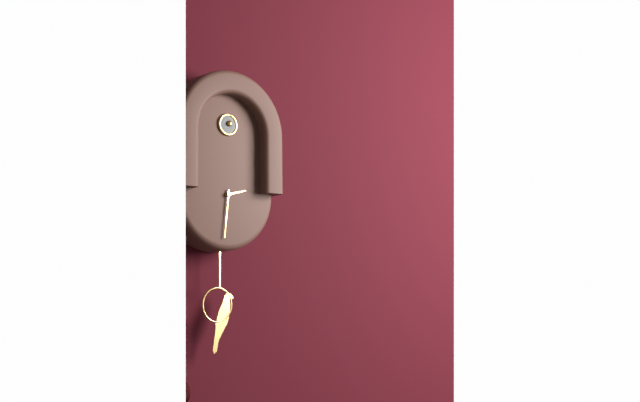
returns 2,31
